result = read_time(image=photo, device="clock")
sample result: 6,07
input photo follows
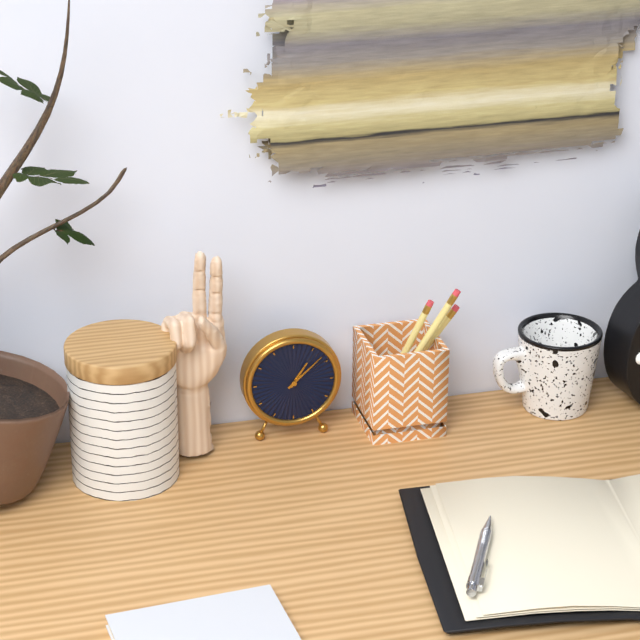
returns 1,08
